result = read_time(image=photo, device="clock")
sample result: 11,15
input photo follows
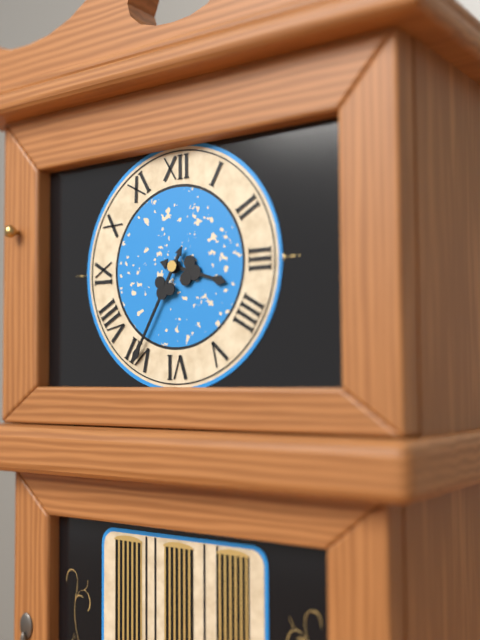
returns 3,35
